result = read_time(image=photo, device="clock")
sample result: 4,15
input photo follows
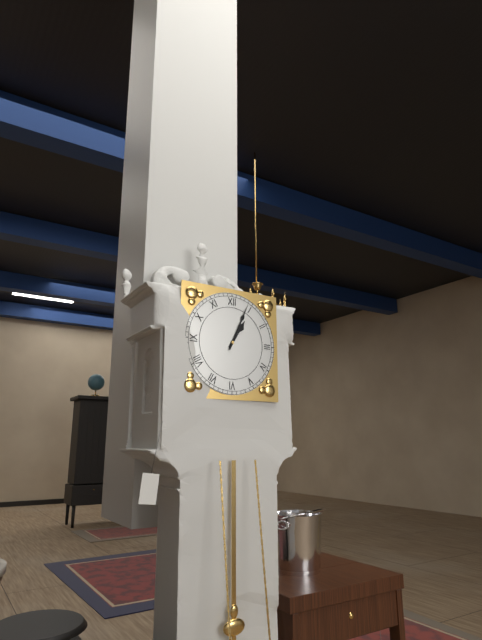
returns 1,04
